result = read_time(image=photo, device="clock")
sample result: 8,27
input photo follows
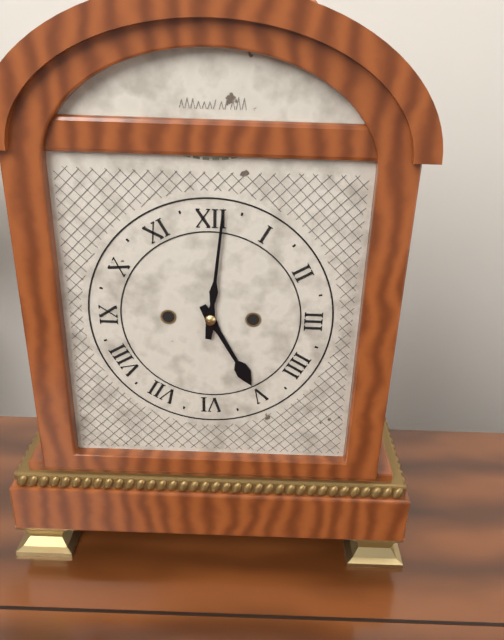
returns 5,01
